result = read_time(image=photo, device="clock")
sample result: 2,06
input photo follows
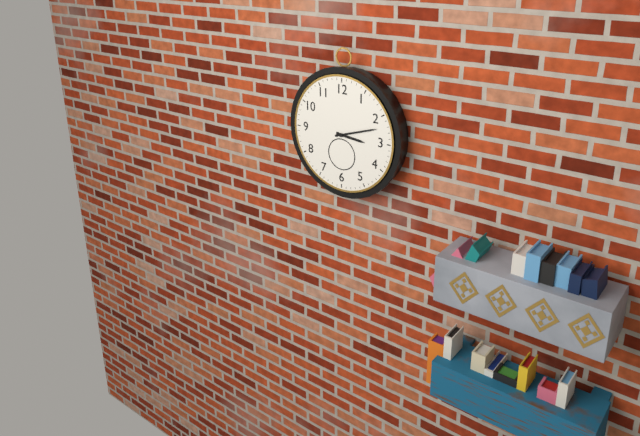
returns 3,12
